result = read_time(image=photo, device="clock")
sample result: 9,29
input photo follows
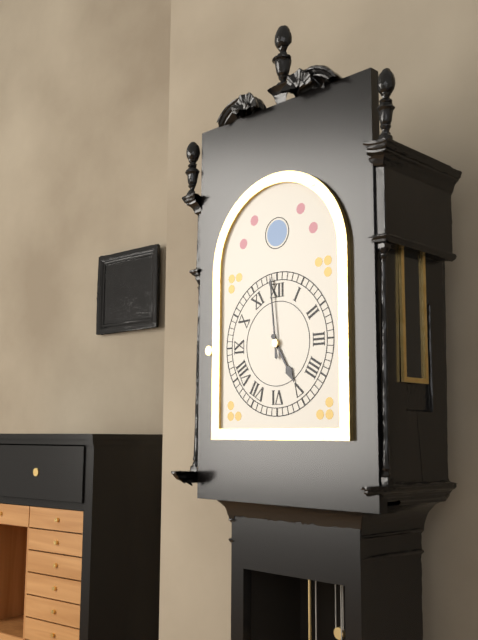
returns 4,59
